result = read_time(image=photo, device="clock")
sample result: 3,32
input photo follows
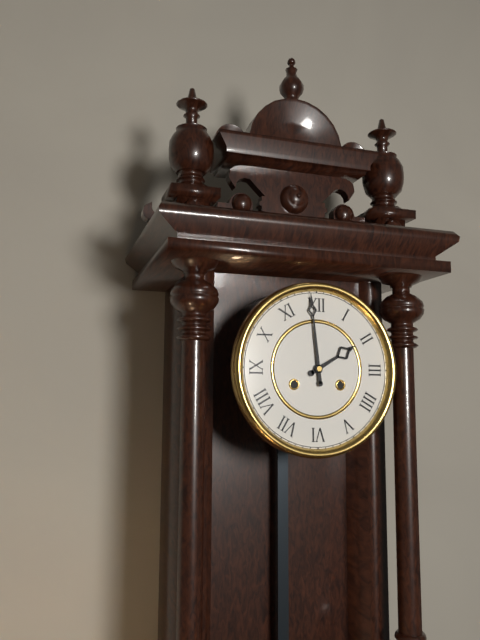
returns 1,59
